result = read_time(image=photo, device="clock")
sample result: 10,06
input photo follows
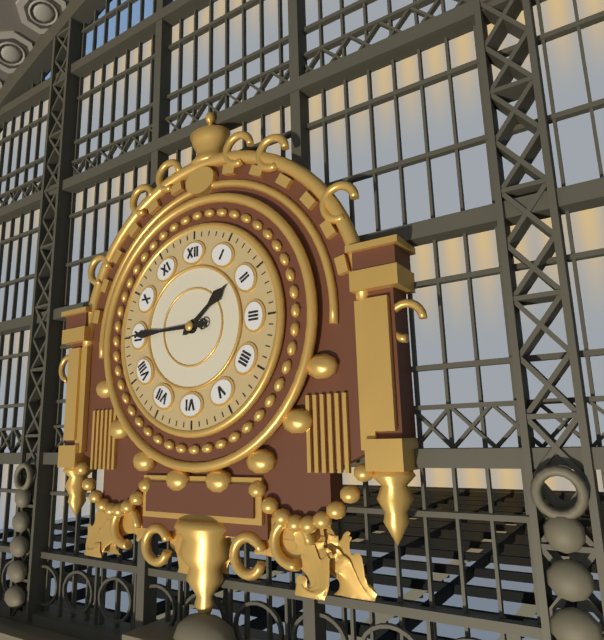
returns 1,45
